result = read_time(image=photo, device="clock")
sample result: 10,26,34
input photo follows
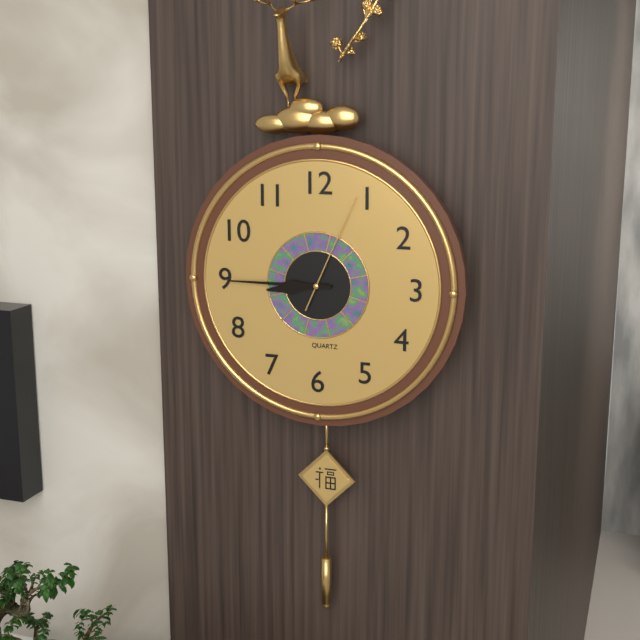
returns 8,45,04
